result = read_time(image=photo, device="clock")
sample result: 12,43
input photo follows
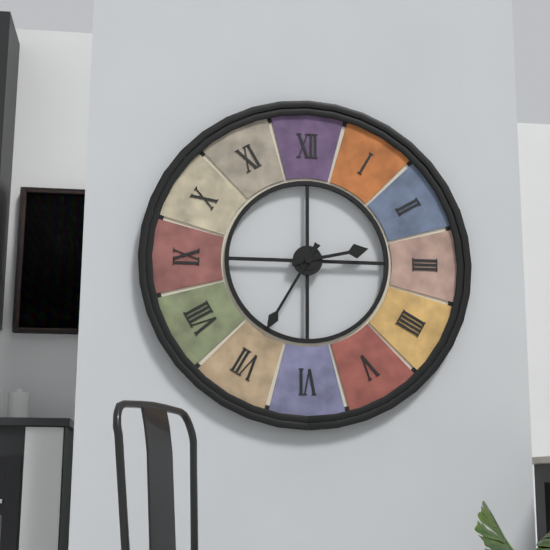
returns 2,35
